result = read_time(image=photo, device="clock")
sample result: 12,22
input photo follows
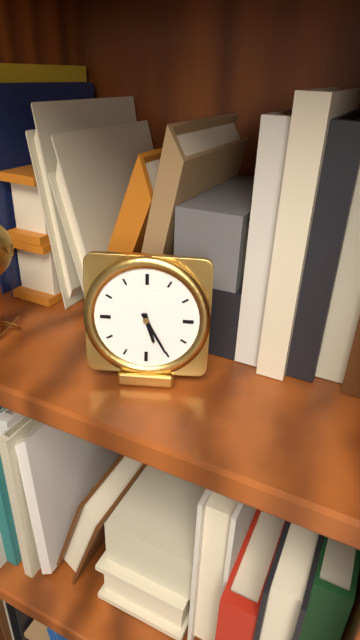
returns 5,25
